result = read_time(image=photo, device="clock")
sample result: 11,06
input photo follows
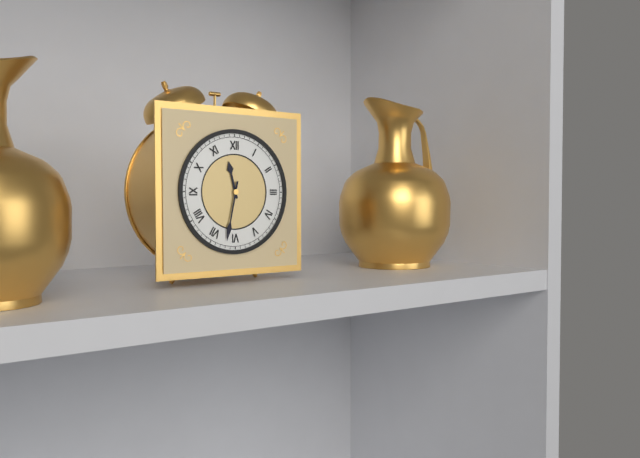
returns 11,32
